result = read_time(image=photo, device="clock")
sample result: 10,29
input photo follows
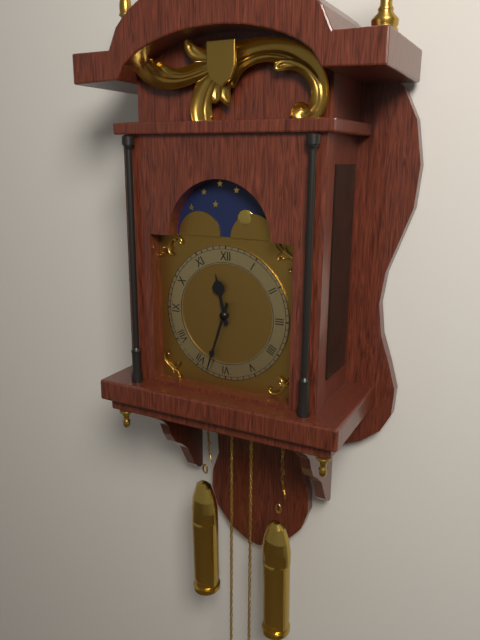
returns 11,33
